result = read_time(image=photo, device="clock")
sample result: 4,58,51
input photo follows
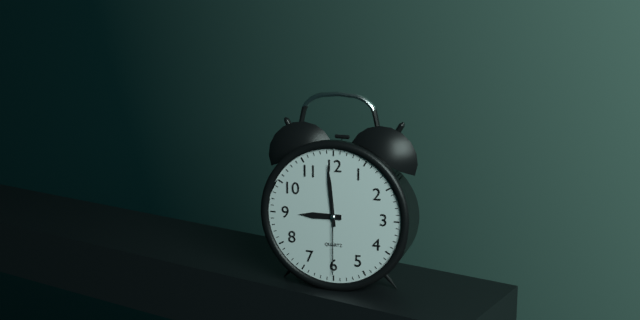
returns 8,59,30
